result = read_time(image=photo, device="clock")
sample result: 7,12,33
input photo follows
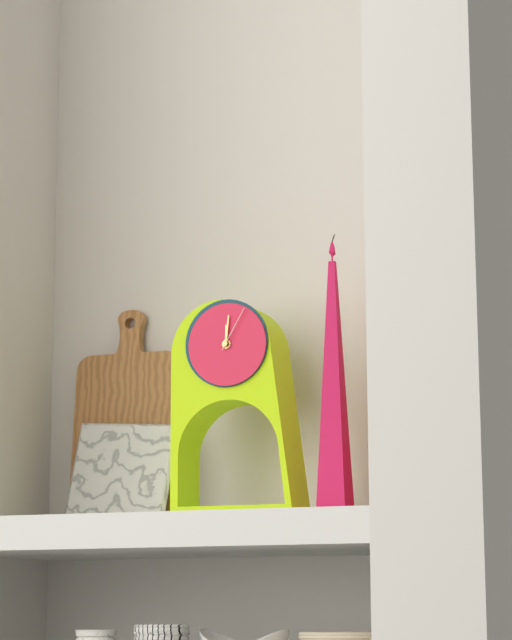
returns 12,01,05
